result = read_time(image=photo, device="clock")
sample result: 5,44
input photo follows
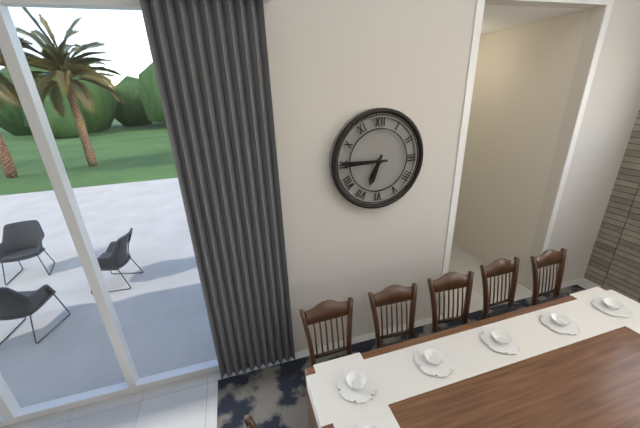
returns 6,45
